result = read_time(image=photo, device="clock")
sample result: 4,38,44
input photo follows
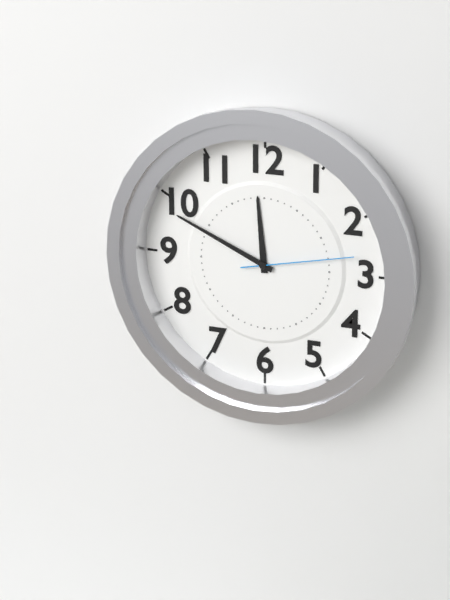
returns 11,49,13
